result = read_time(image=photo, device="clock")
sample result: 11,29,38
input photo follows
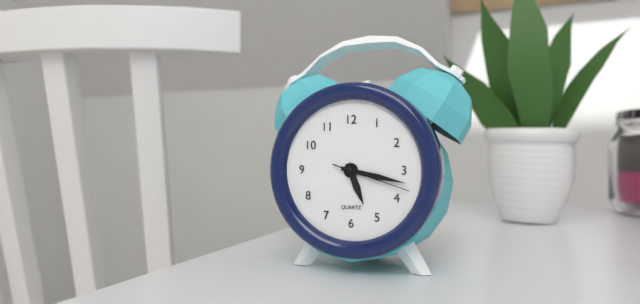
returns 5,17,18
